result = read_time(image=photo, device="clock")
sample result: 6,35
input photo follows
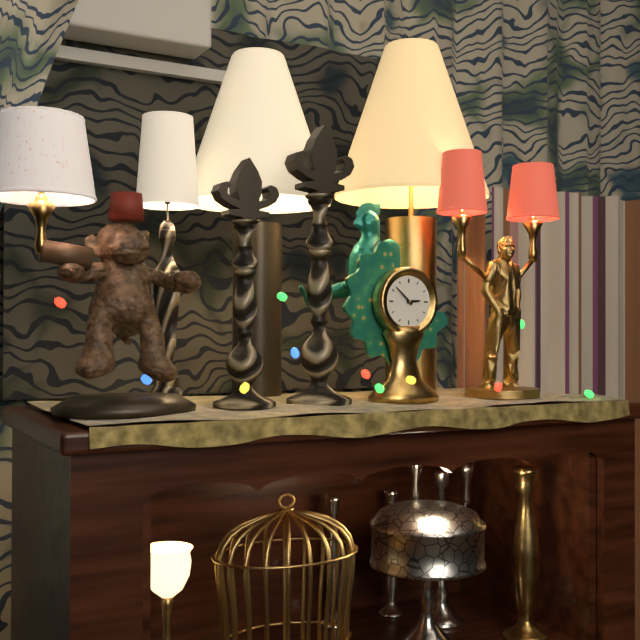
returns 2,52
